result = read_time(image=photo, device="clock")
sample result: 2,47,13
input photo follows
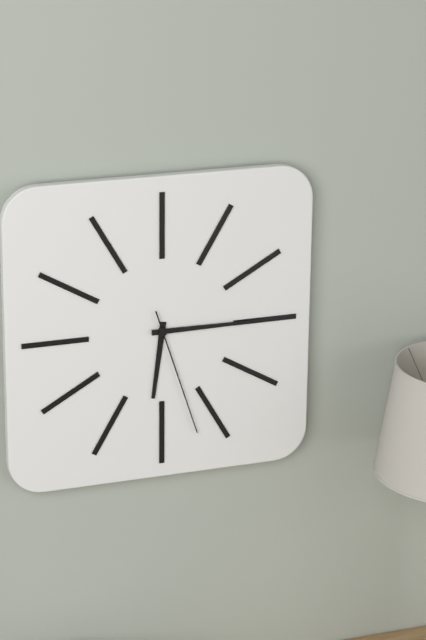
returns 6,15,27
